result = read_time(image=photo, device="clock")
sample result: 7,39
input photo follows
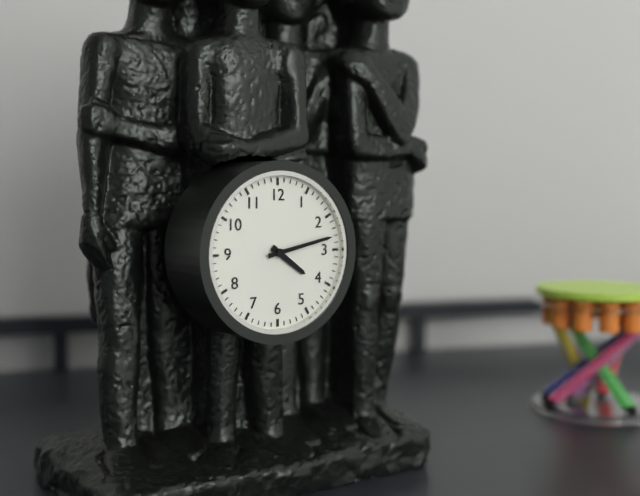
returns 4,13
